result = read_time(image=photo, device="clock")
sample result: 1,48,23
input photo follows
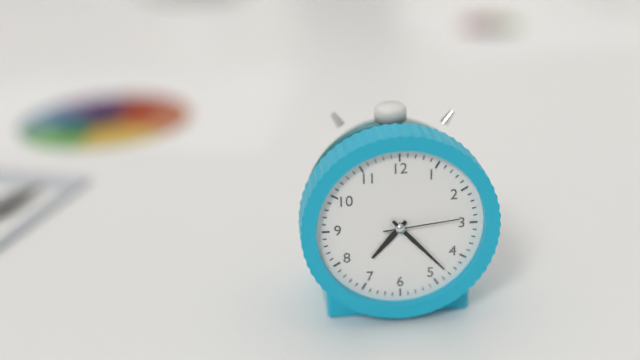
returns 7,23,14
